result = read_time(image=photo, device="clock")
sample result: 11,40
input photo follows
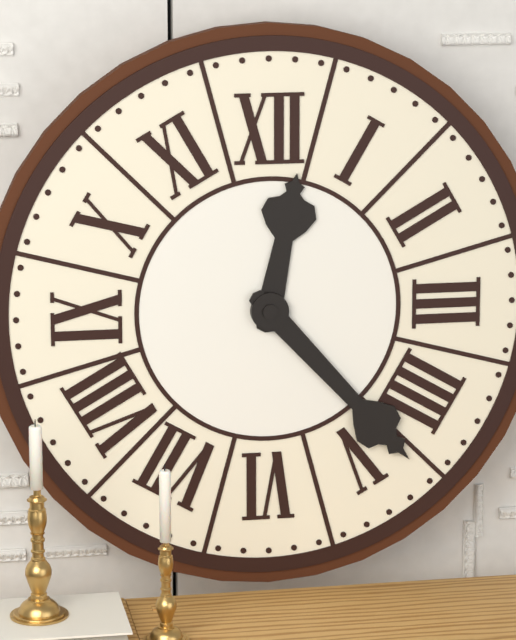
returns 12,23
